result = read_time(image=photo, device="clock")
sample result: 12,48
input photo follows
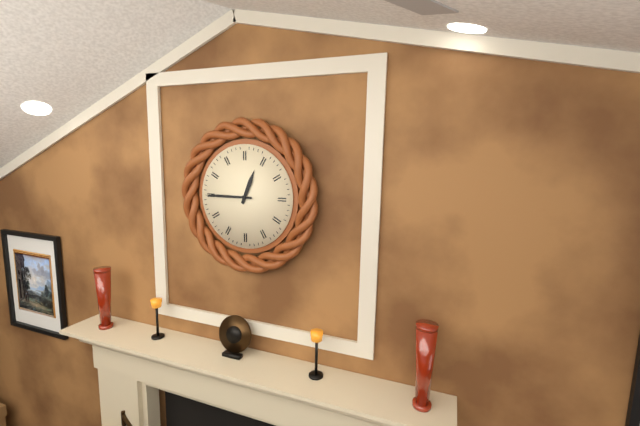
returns 12,45
